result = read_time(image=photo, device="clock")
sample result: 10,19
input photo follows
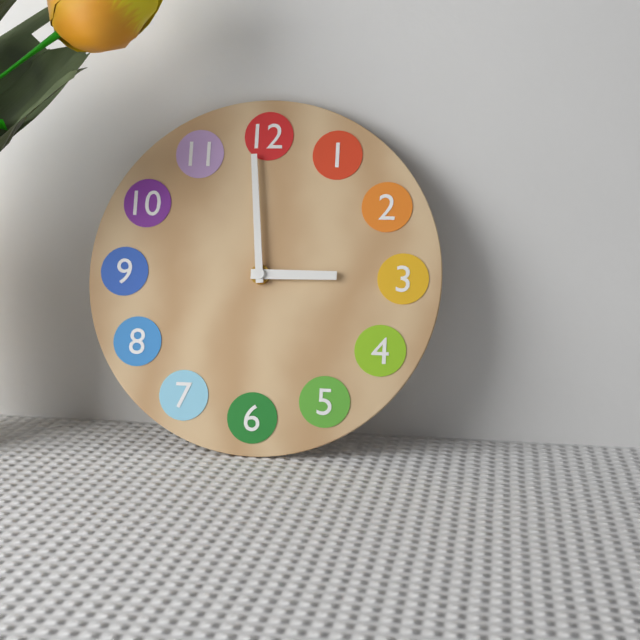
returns 2,59
